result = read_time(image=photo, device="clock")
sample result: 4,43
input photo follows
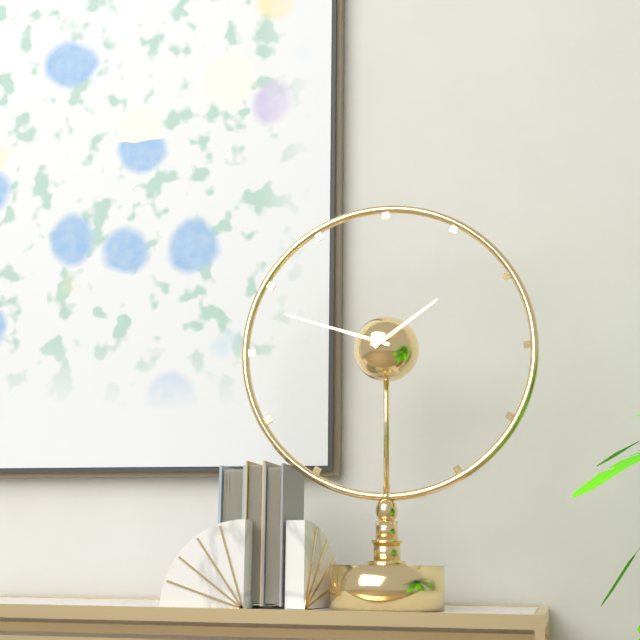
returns 1,48
